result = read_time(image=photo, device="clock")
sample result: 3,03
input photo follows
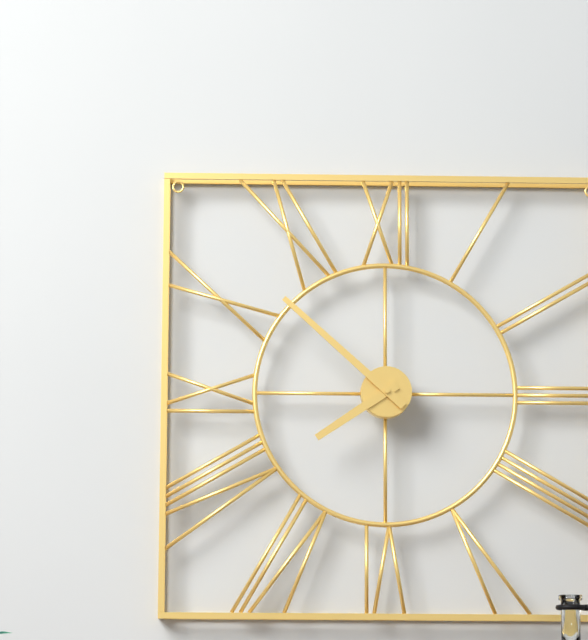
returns 7,52
